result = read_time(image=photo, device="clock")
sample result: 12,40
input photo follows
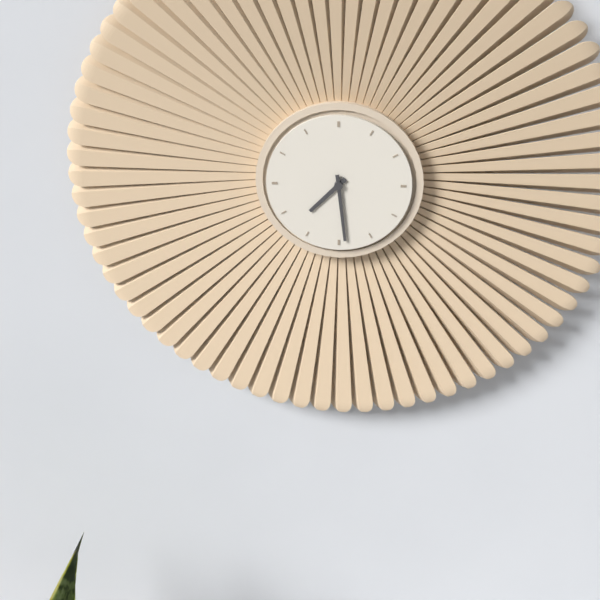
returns 7,29
